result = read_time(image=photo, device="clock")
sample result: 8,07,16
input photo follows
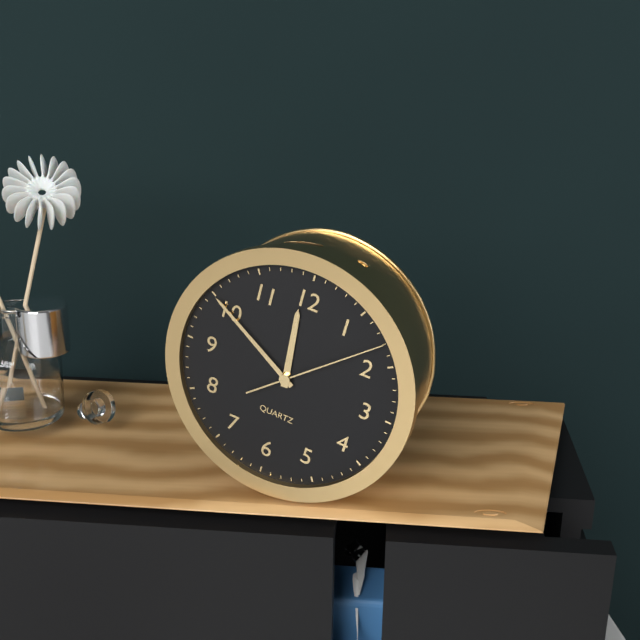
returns 11,50,08
